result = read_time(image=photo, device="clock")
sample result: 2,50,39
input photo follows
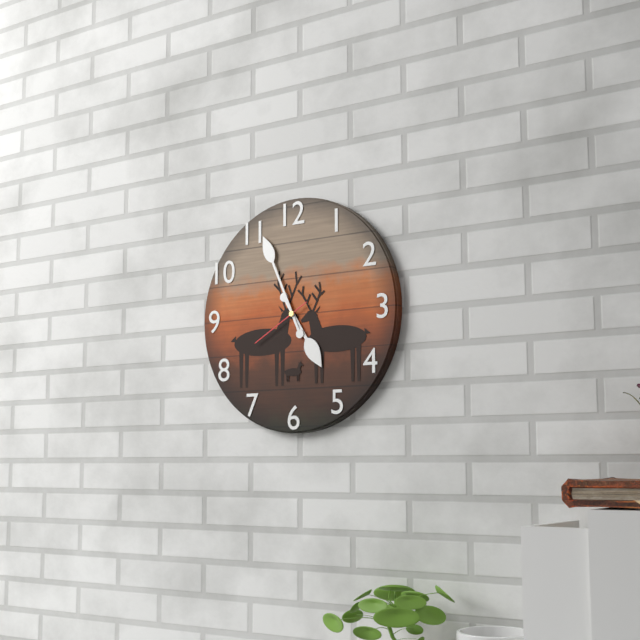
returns 4,56,40
